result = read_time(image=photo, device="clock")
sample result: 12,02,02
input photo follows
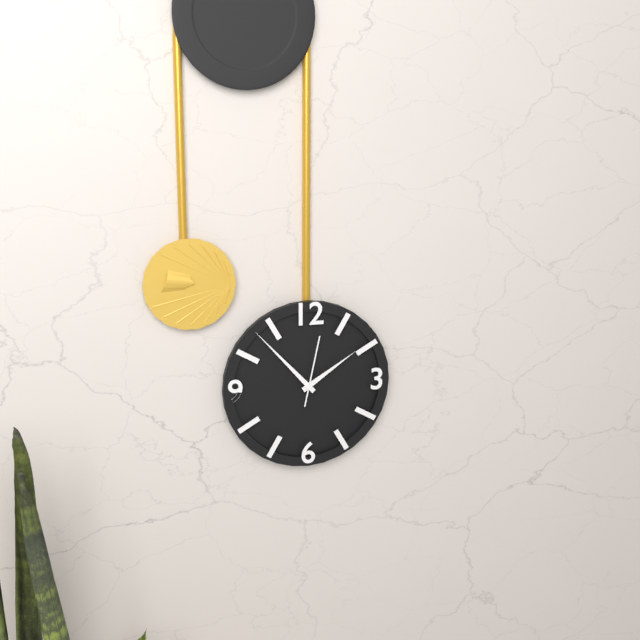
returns 1,53,02
